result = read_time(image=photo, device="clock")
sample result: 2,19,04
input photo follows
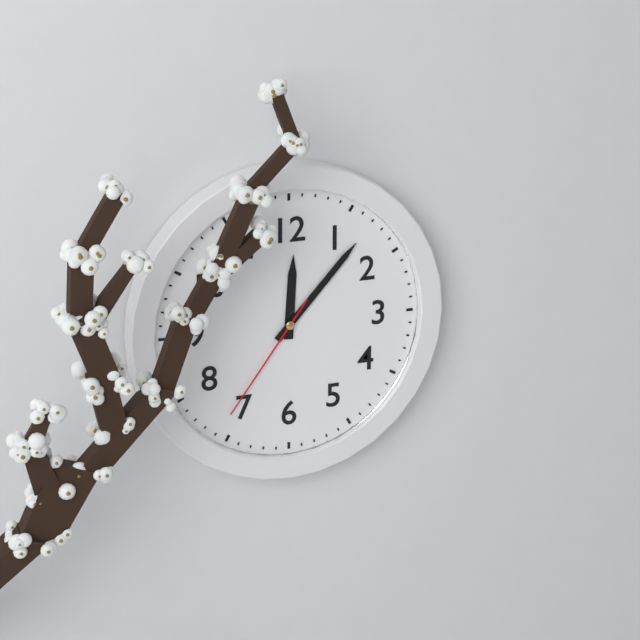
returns 12,07,36
